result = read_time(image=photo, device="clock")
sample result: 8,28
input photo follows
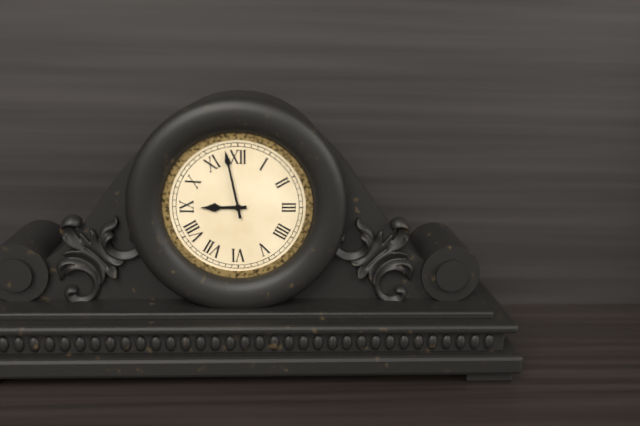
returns 8,58
